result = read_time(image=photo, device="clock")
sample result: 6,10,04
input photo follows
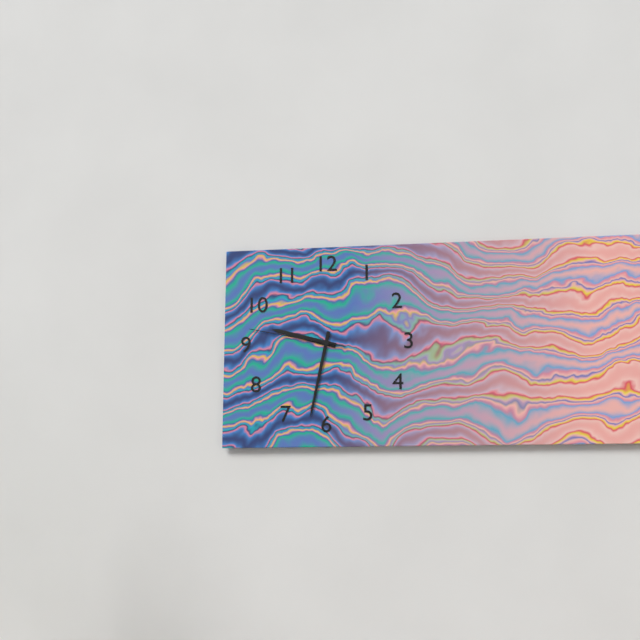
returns 9,32,47
